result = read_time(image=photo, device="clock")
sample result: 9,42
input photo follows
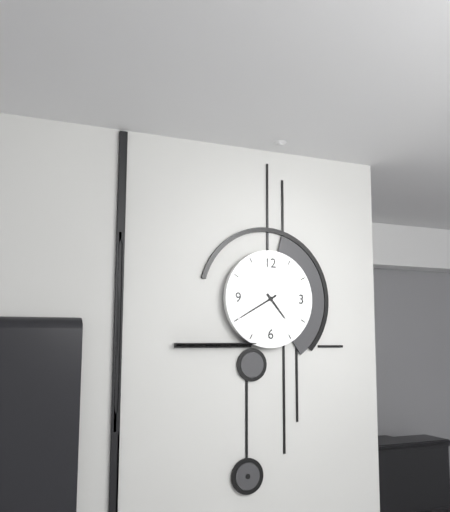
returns 4,40
